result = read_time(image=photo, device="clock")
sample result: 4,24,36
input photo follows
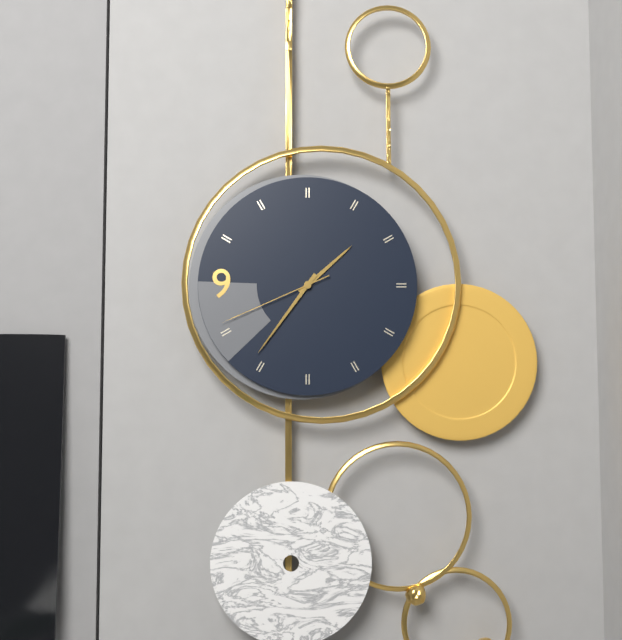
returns 1,36,41
